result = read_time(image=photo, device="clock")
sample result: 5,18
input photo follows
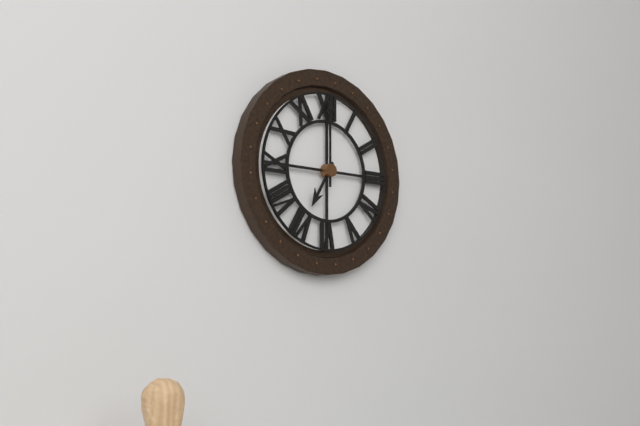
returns 7,00
